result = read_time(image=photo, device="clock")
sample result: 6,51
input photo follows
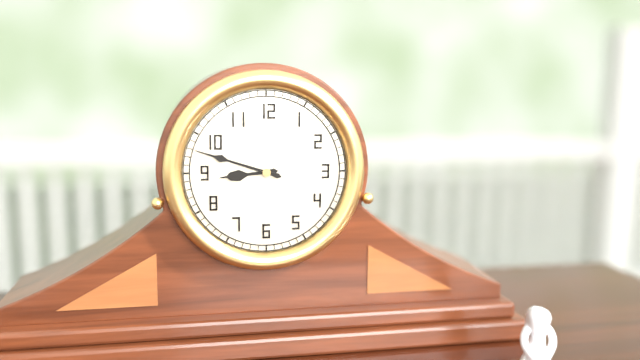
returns 8,48
